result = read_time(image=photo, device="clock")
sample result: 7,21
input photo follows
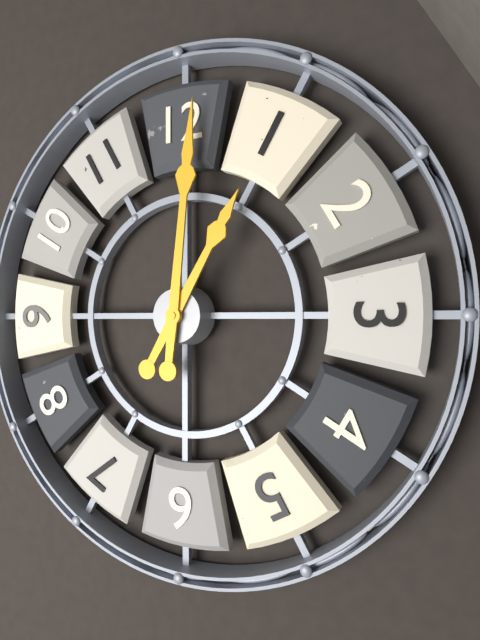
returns 1,01
